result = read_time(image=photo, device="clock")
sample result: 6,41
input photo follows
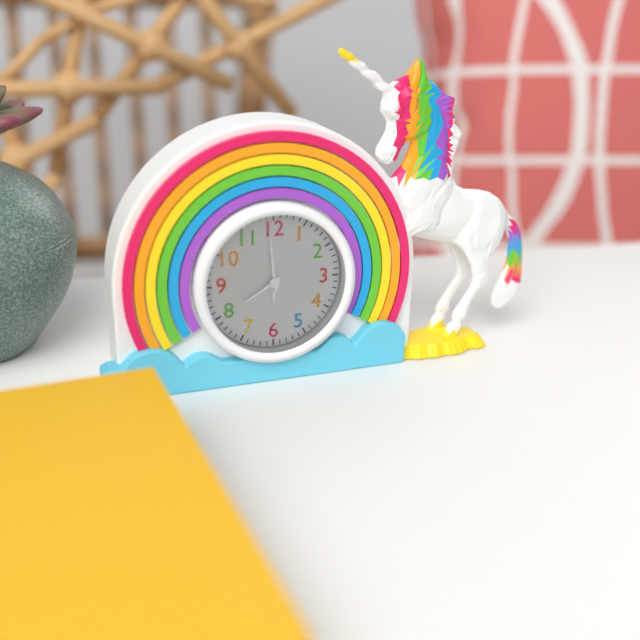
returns 7,59
